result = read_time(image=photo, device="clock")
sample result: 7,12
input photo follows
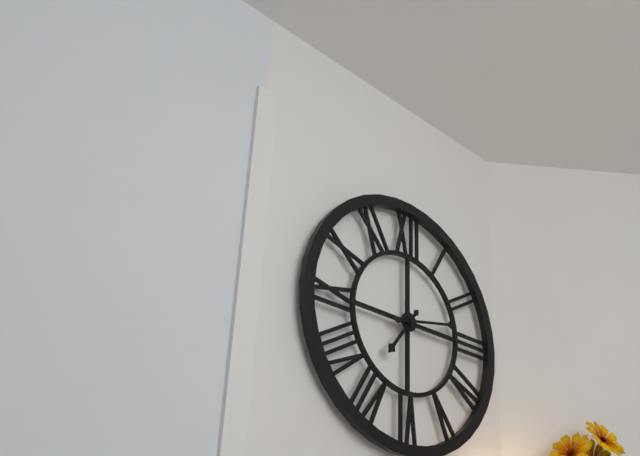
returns 7,13
